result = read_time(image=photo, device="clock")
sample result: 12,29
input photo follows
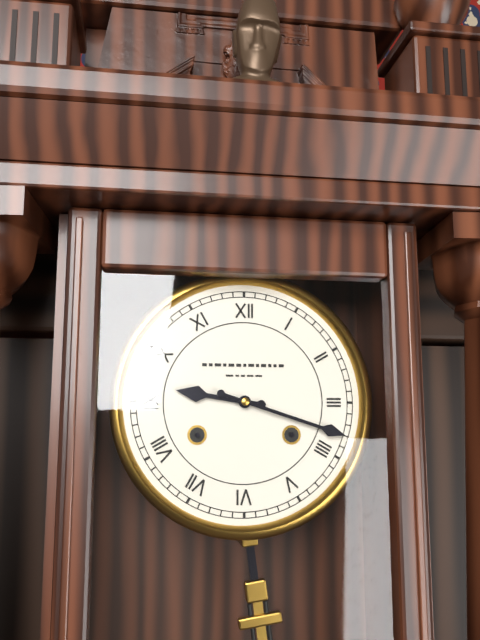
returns 9,18
